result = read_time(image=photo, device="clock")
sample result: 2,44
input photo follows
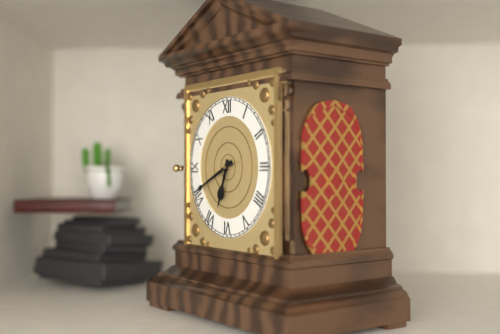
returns 6,41
